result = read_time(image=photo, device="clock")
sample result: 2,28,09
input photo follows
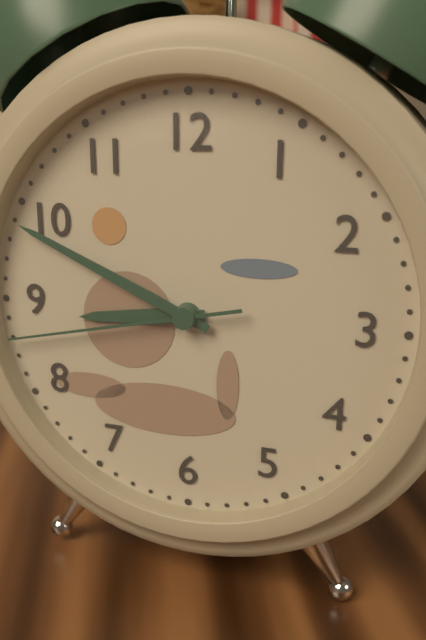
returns 8,49,43
